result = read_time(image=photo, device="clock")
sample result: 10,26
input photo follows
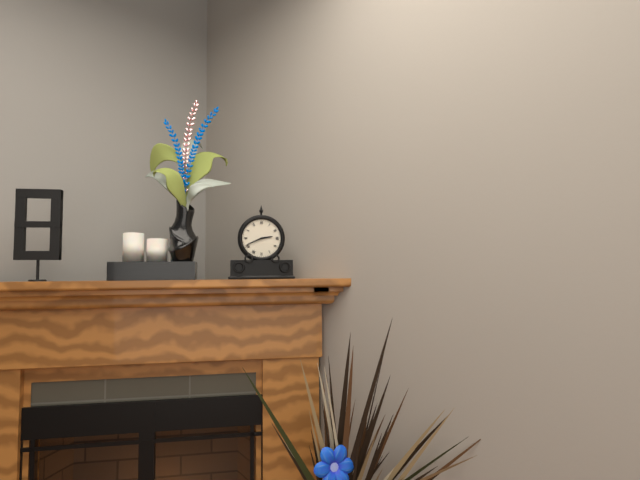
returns 2,41
